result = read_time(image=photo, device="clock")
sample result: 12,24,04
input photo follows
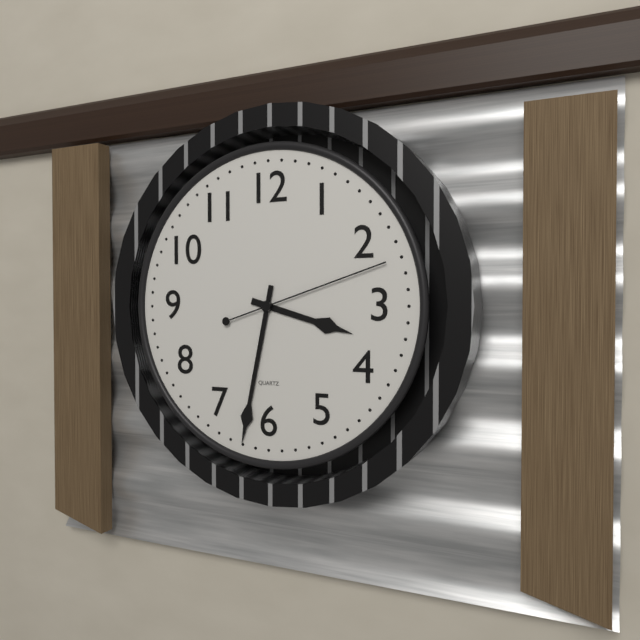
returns 3,32,12
